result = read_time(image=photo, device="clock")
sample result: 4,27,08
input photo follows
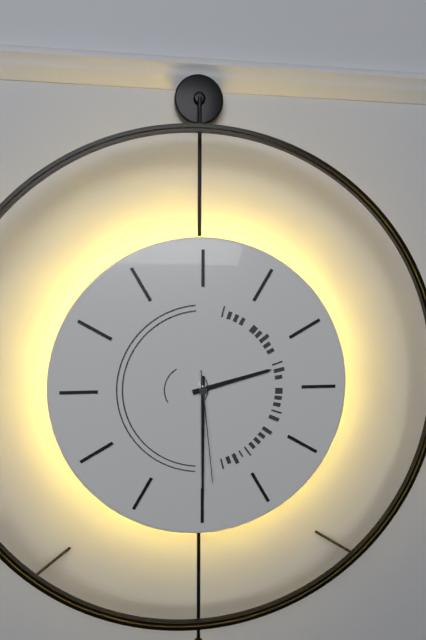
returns 2,30,29
